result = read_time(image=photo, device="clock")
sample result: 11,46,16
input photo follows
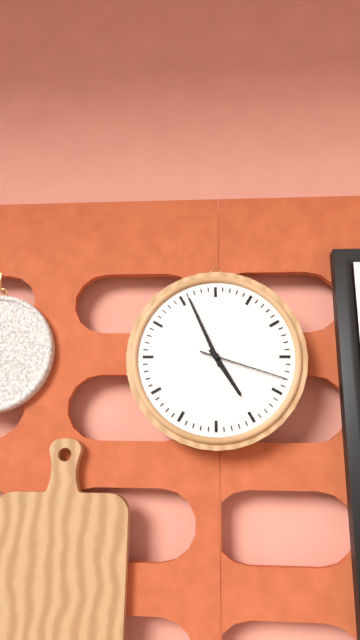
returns 4,56,18
